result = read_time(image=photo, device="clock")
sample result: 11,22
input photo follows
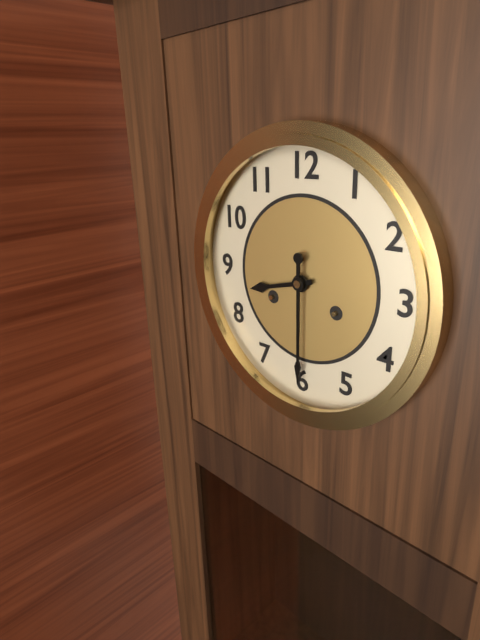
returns 8,30
